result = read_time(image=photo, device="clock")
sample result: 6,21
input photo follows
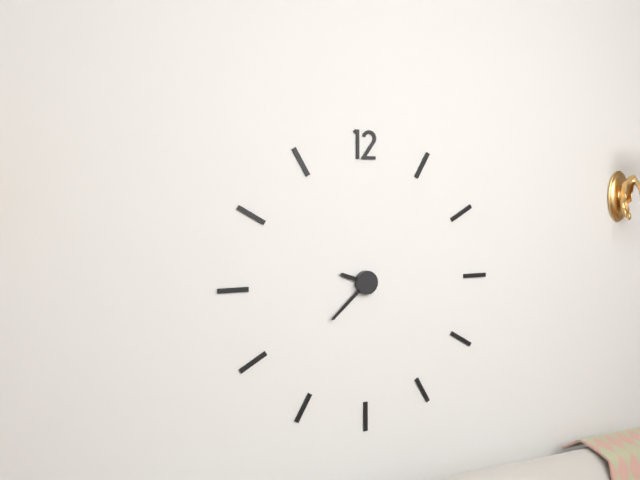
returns 9,38
